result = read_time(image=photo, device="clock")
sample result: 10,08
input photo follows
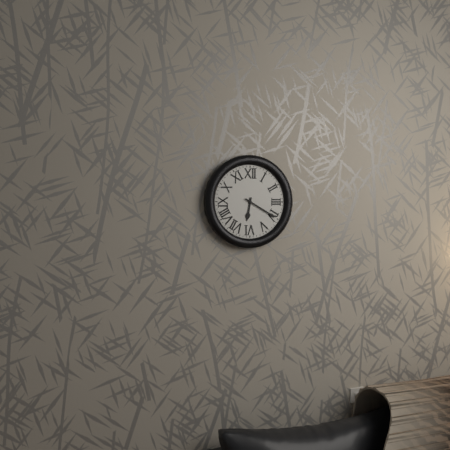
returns 6,20
